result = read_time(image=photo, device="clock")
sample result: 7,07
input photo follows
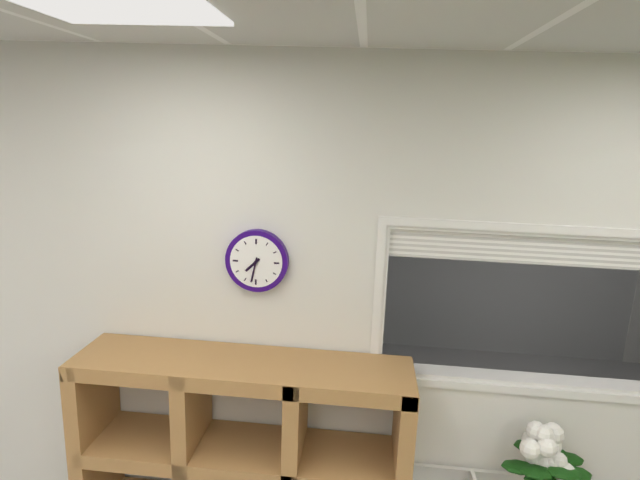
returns 7,32
